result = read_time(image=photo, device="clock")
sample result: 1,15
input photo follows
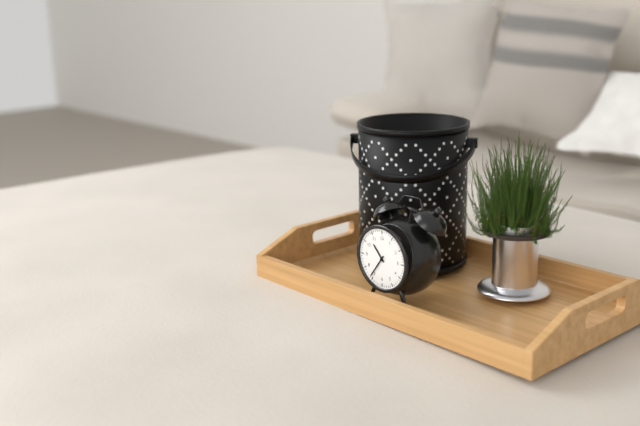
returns 10,36
